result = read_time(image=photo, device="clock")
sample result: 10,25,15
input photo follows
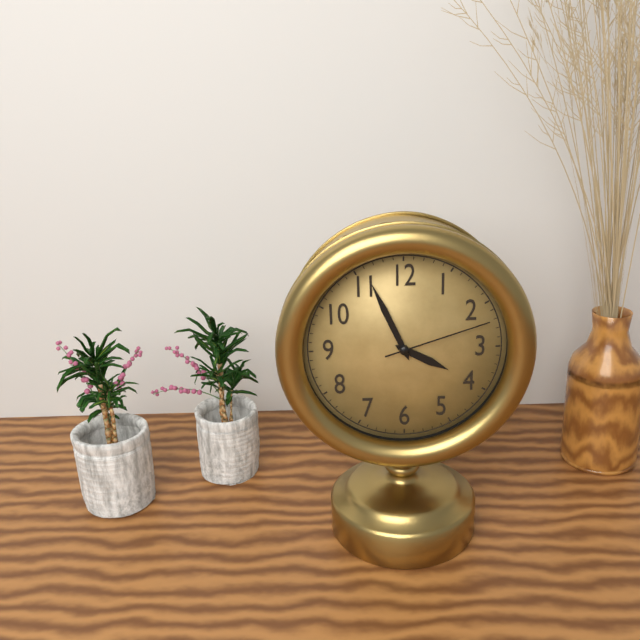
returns 3,56,12
